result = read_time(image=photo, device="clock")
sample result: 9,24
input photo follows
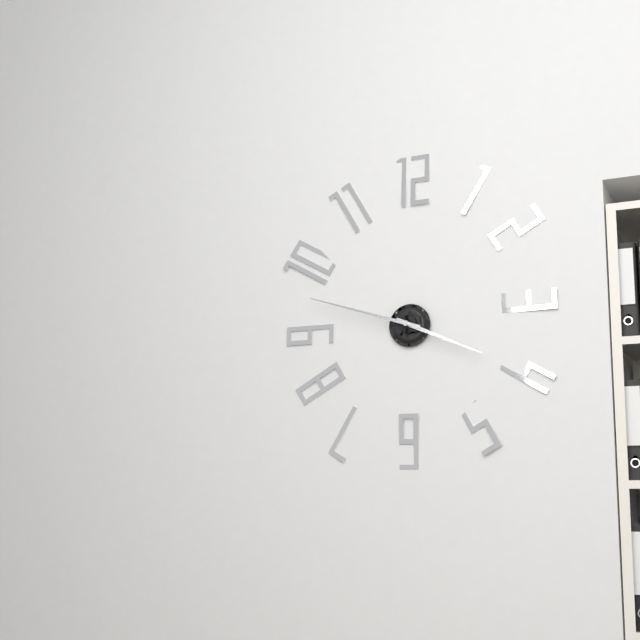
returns 3,48
